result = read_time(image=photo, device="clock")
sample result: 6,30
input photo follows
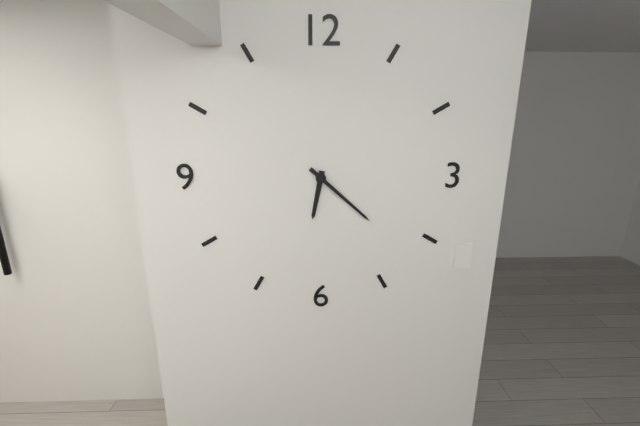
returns 6,22
